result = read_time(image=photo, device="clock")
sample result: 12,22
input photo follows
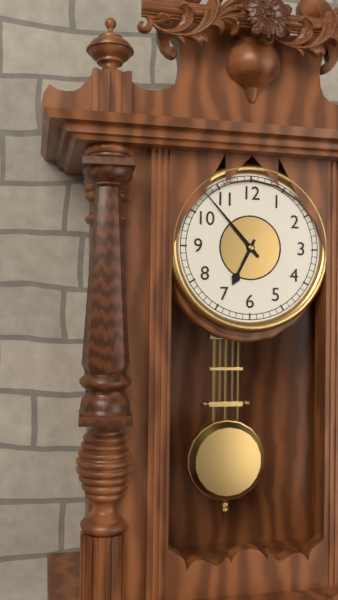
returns 6,53
